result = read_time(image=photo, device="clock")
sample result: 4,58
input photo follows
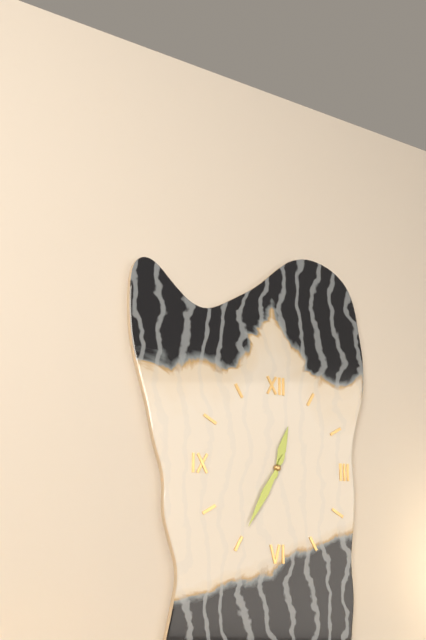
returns 12,35
